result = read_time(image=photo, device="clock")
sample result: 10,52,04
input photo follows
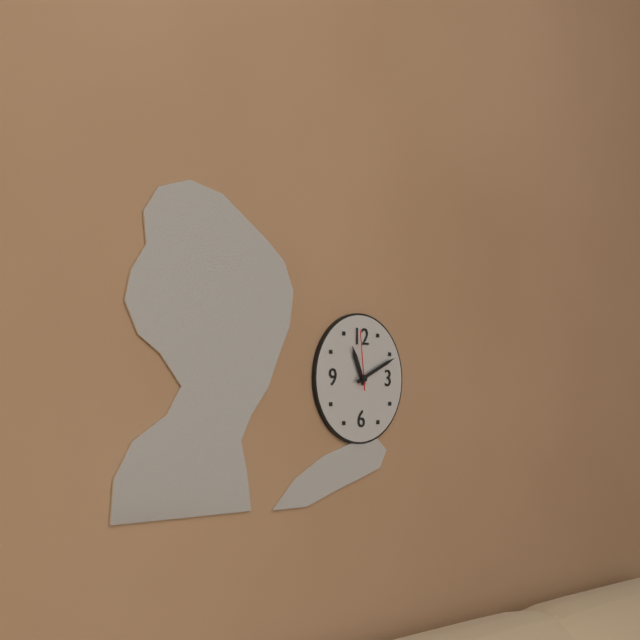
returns 11,11,59
